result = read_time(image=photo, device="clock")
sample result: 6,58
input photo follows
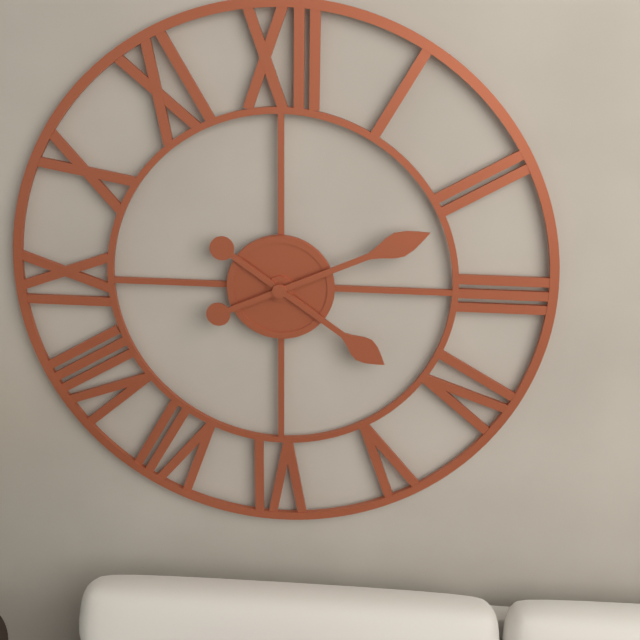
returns 4,11
